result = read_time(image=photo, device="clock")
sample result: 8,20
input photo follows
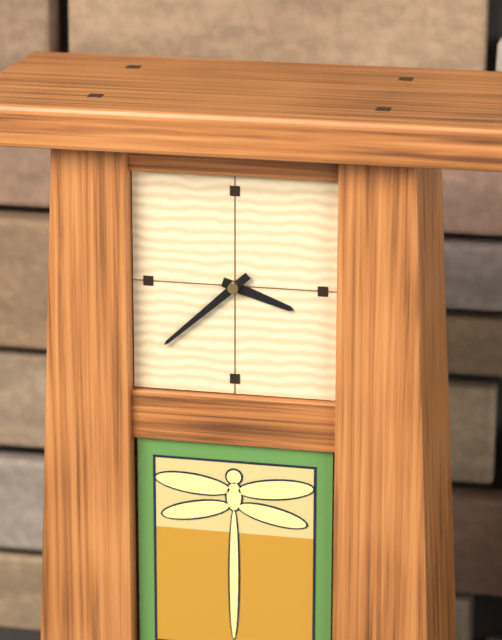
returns 3,38
